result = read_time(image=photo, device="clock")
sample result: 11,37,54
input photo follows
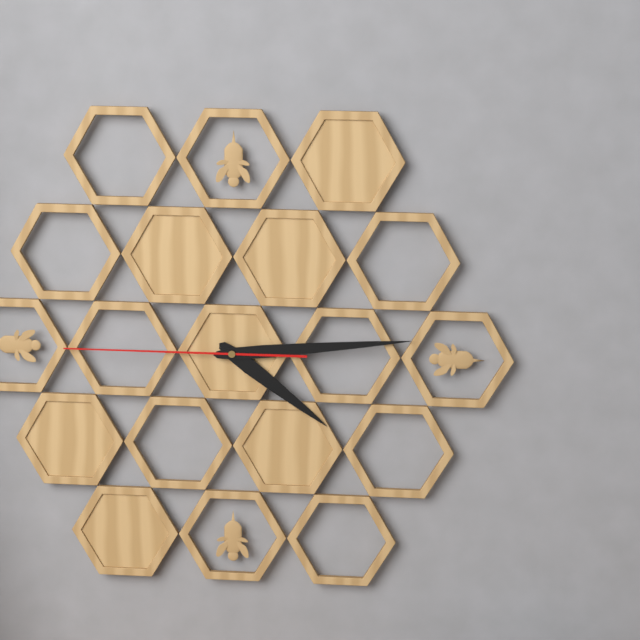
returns 4,14,45
